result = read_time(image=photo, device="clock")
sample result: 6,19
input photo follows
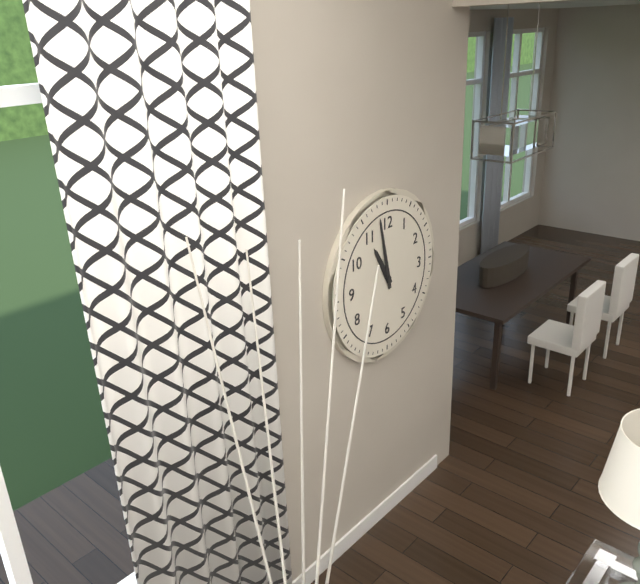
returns 10,58
